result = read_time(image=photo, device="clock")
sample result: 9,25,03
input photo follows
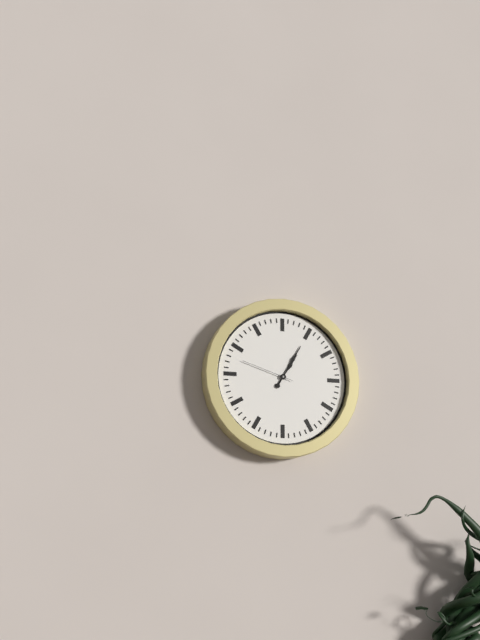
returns 1,05,48
